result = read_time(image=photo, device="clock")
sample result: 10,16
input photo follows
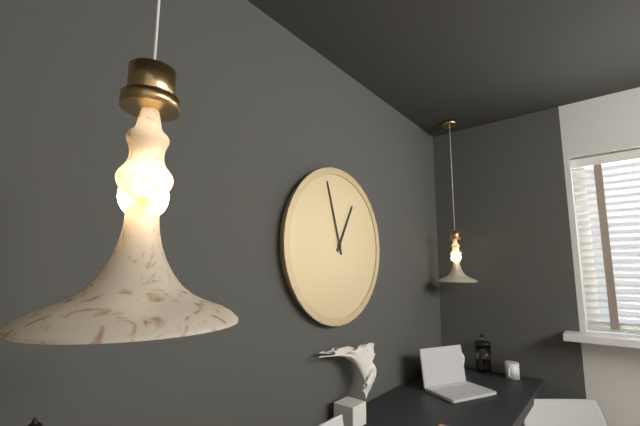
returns 12,57
